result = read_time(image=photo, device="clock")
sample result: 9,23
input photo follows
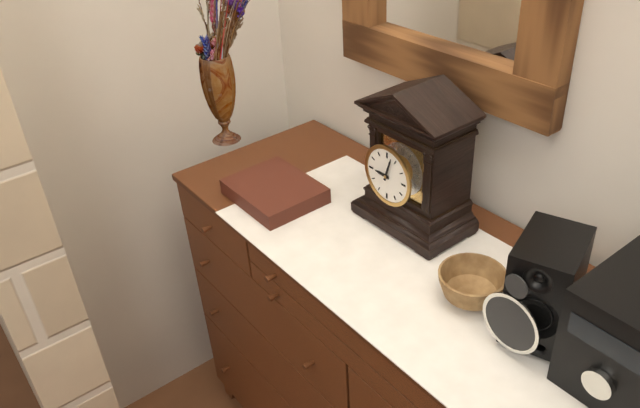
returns 9,03
